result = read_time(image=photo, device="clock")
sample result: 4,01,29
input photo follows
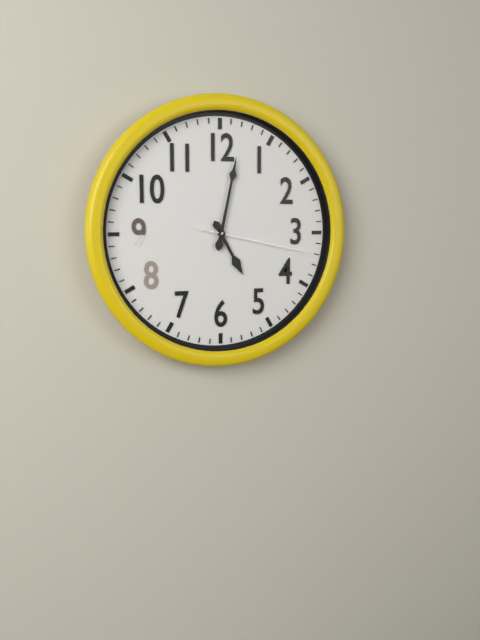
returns 5,02,17
